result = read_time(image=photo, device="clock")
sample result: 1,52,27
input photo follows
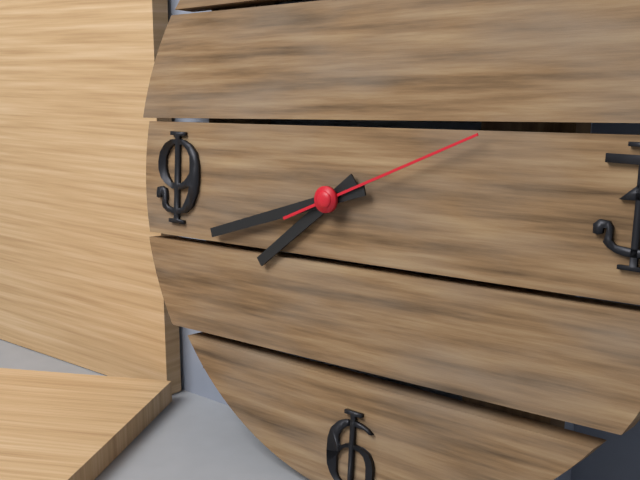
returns 7,42,11
